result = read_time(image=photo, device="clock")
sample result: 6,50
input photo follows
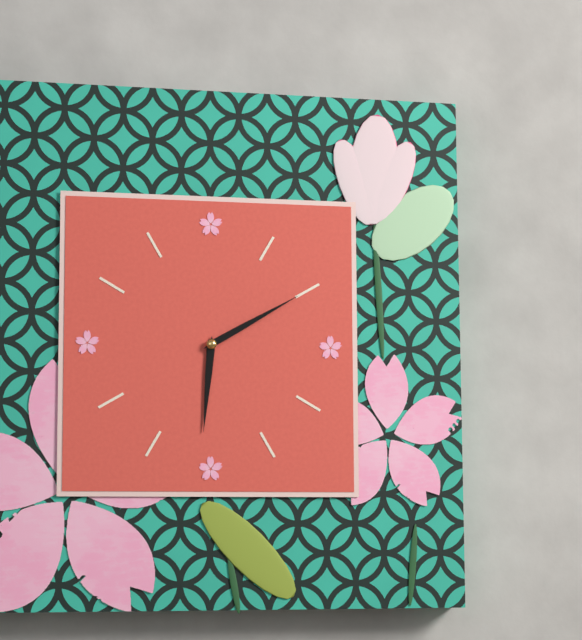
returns 6,10
